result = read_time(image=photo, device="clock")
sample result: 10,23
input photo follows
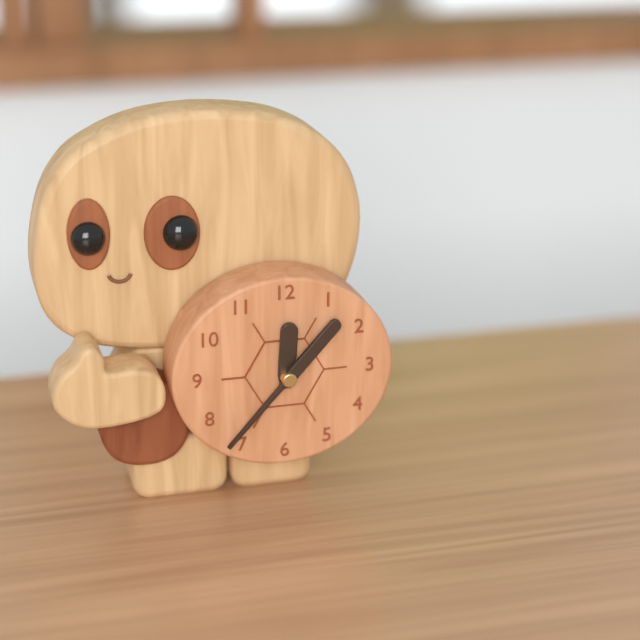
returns 12,07
